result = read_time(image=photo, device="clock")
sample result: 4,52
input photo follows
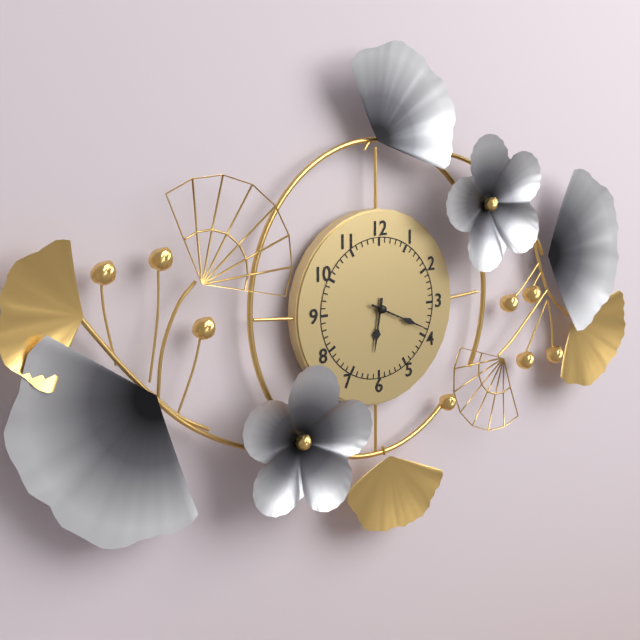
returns 6,19
